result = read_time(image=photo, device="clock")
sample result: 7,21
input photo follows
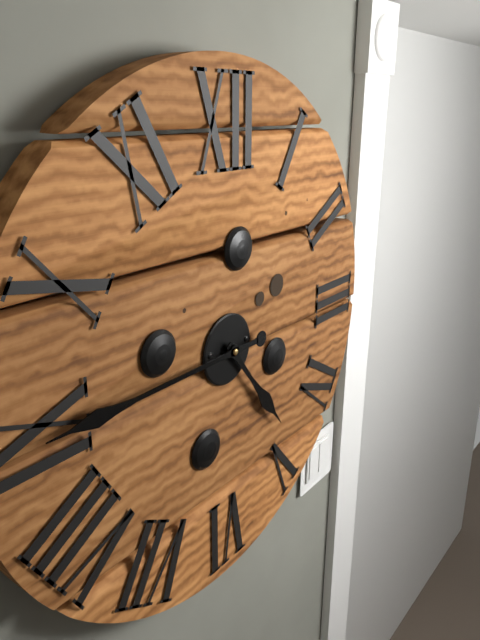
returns 4,45
